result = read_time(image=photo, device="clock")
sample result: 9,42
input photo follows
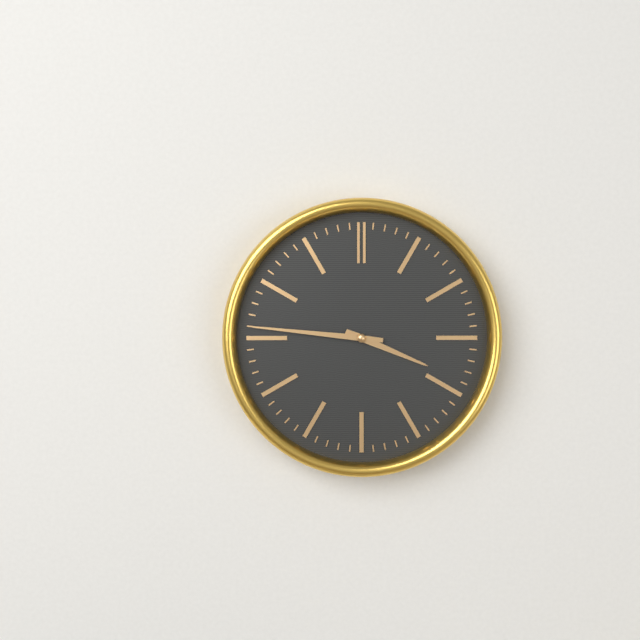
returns 3,46
